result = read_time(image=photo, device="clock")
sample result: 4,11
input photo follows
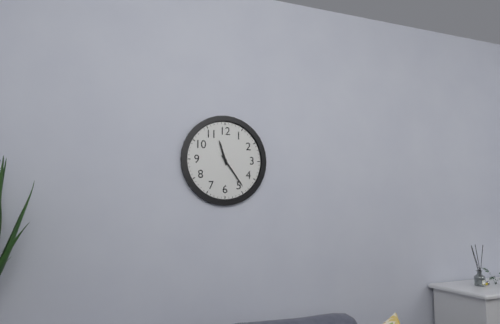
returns 11,24
